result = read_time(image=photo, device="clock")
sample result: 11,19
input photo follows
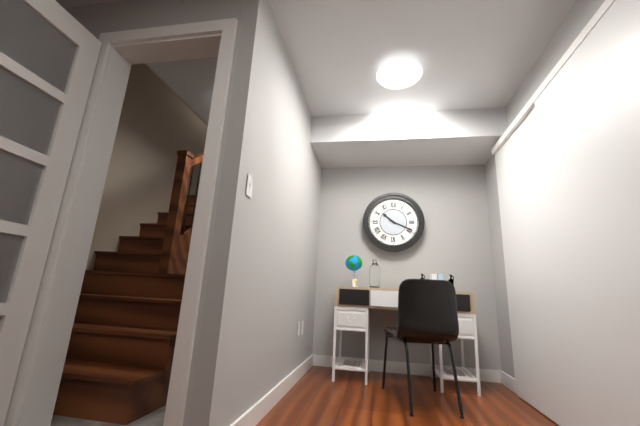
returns 10,19
